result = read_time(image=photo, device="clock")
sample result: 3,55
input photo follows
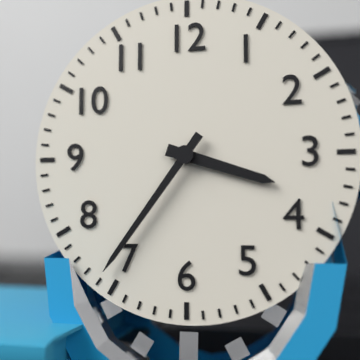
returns 3,36
